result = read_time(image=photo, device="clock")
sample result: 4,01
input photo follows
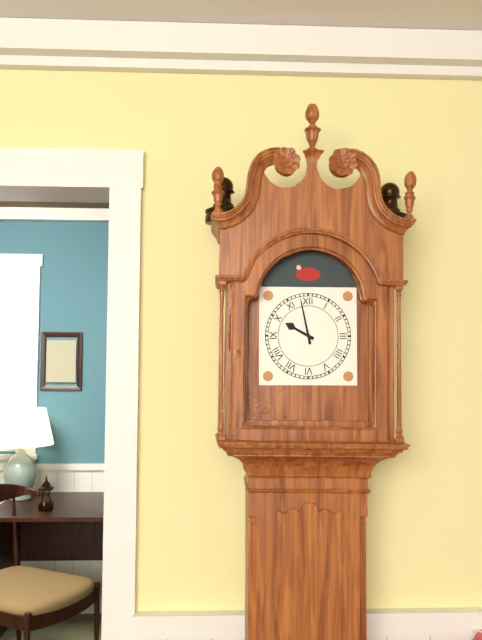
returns 9,58
